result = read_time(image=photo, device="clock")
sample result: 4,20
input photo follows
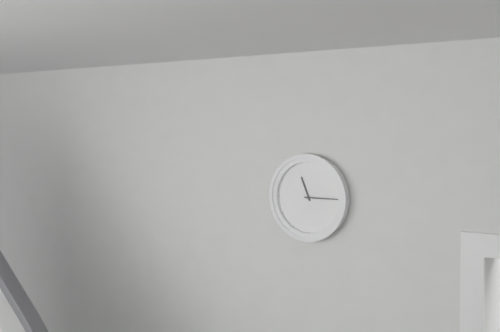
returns 11,15
